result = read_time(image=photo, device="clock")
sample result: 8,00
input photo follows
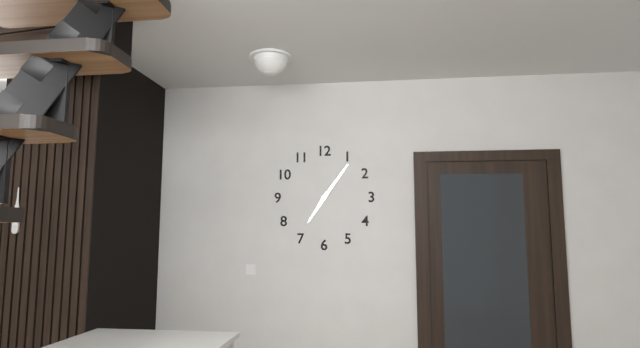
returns 7,06
